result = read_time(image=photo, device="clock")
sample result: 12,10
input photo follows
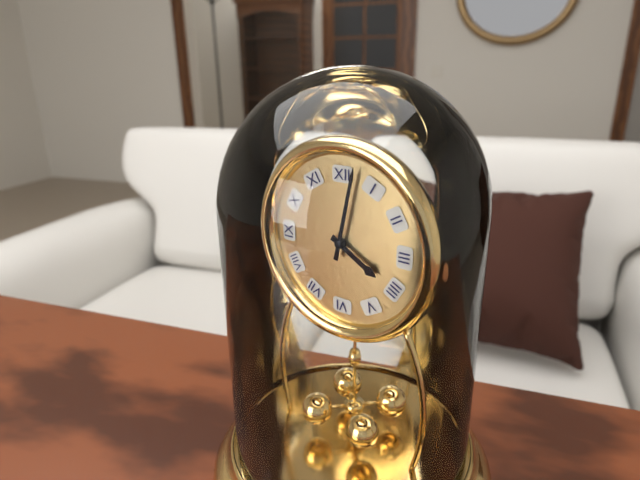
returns 4,02
